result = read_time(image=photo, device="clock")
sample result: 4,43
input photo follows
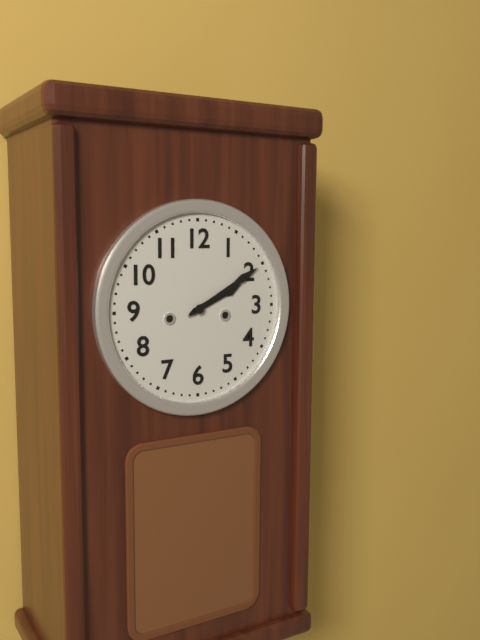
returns 2,10
